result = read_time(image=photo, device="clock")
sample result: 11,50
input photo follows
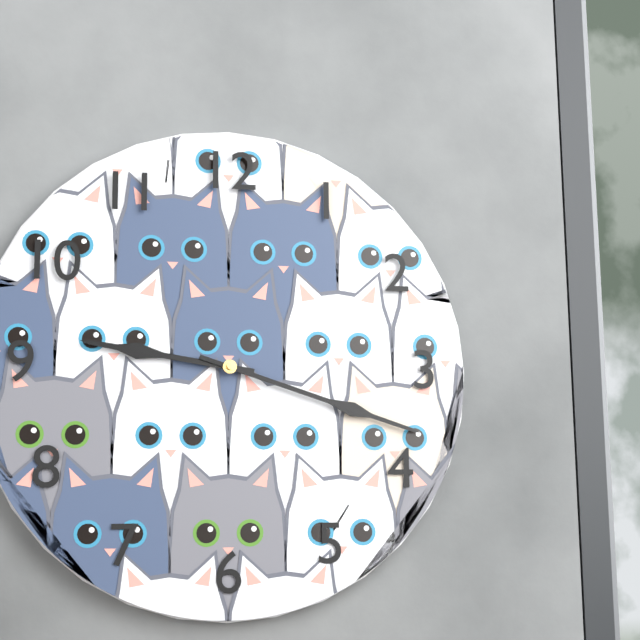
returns 9,18
